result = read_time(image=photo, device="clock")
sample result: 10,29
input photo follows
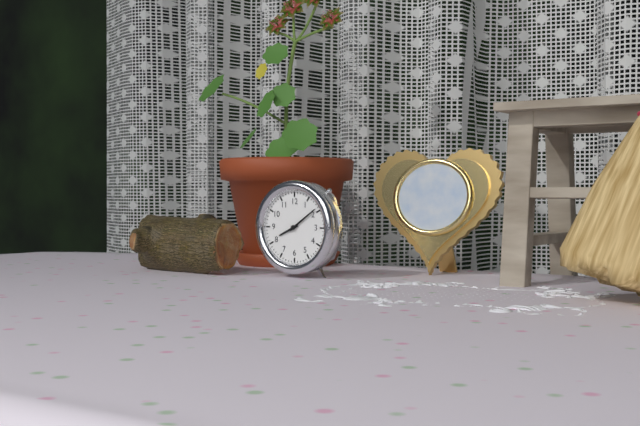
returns 8,09
